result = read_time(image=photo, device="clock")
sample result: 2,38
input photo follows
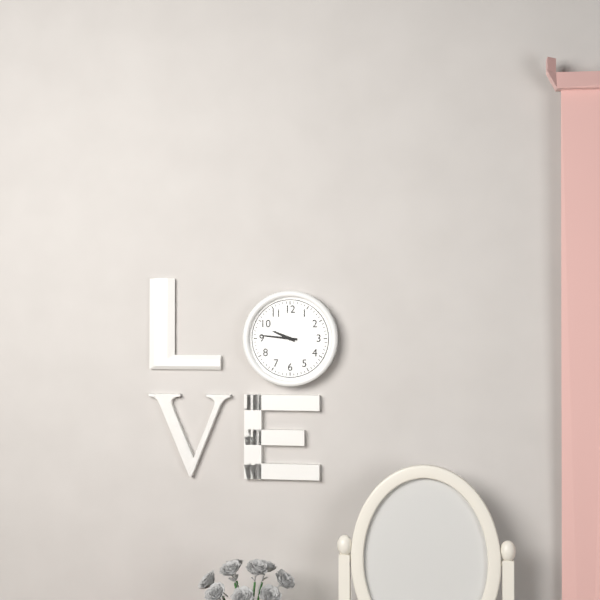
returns 9,46
